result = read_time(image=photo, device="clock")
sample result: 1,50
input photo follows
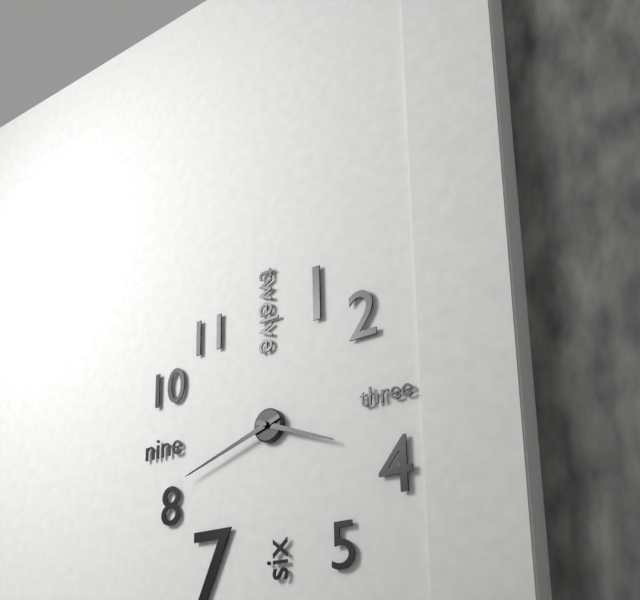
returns 3,42
